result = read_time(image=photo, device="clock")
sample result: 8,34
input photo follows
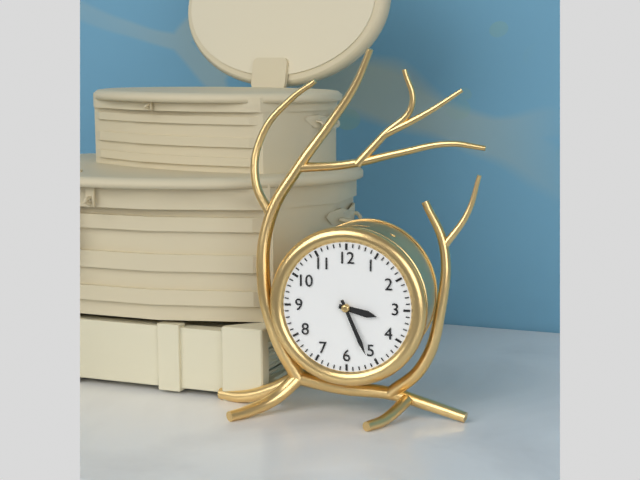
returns 3,26
